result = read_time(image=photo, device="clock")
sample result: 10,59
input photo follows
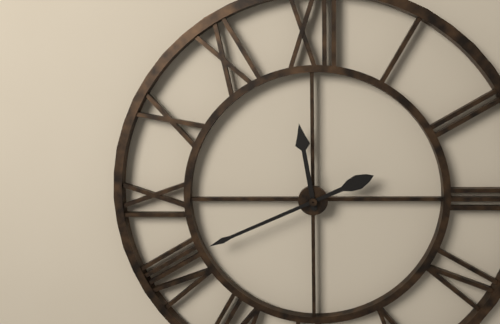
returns 11,41
